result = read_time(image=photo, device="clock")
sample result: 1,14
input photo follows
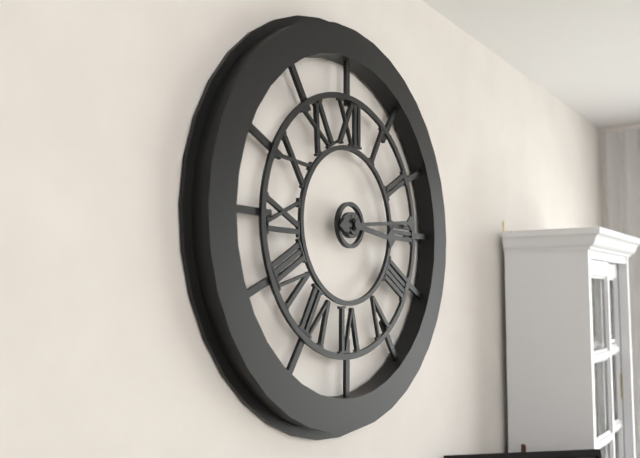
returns 3,14
